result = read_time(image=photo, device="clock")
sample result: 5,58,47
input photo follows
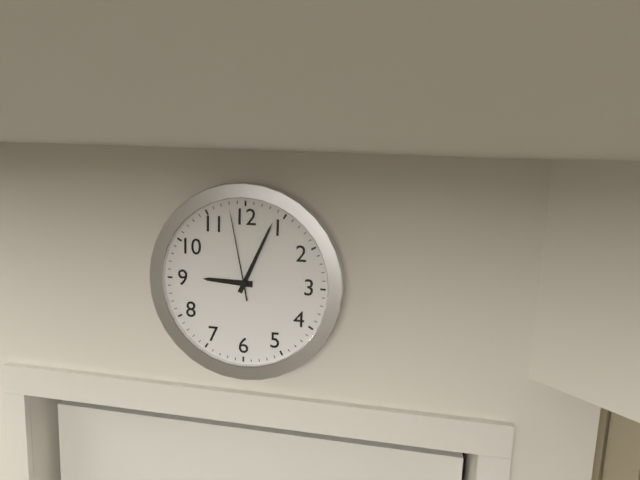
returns 9,04,58
